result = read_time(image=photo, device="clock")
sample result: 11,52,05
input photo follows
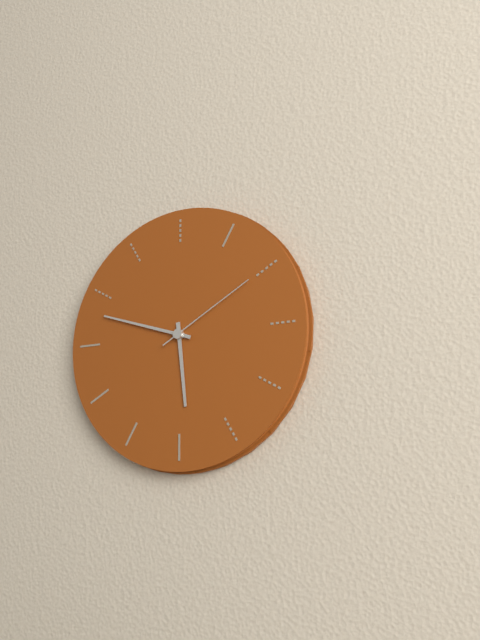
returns 5,48,10
